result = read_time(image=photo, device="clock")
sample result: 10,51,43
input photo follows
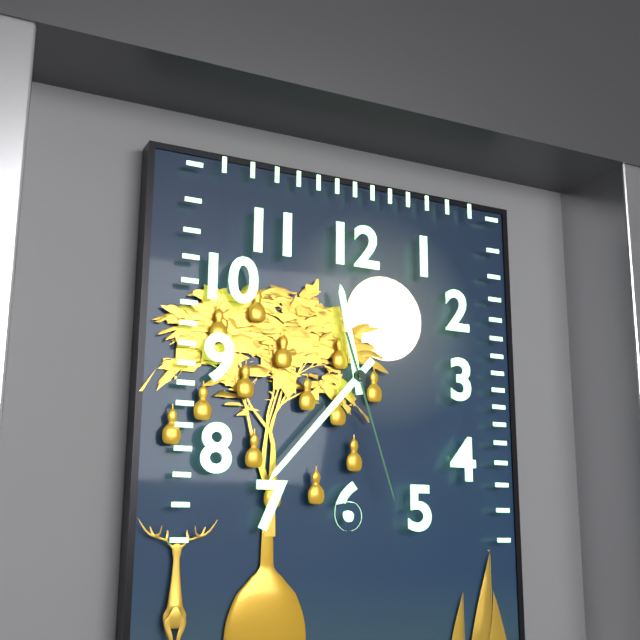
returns 11,37,27
